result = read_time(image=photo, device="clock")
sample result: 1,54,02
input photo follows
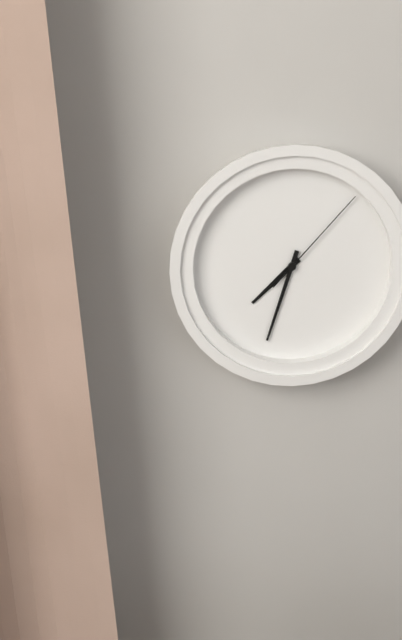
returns 7,33,07
